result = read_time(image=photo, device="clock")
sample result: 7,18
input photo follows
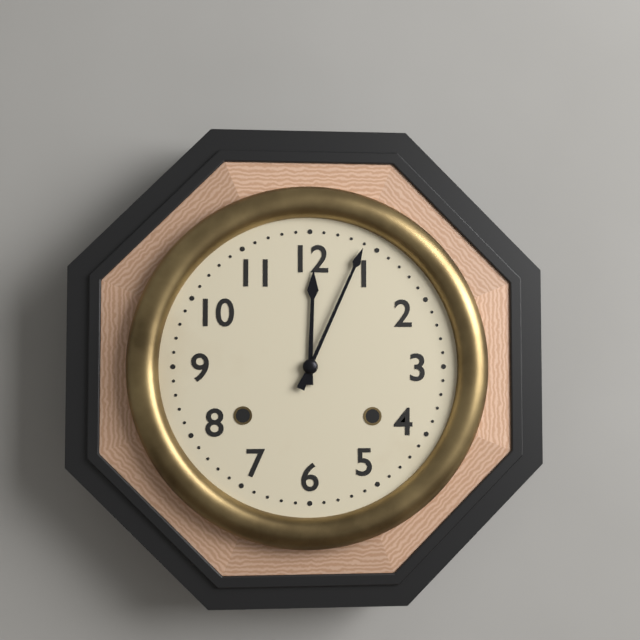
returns 12,04
